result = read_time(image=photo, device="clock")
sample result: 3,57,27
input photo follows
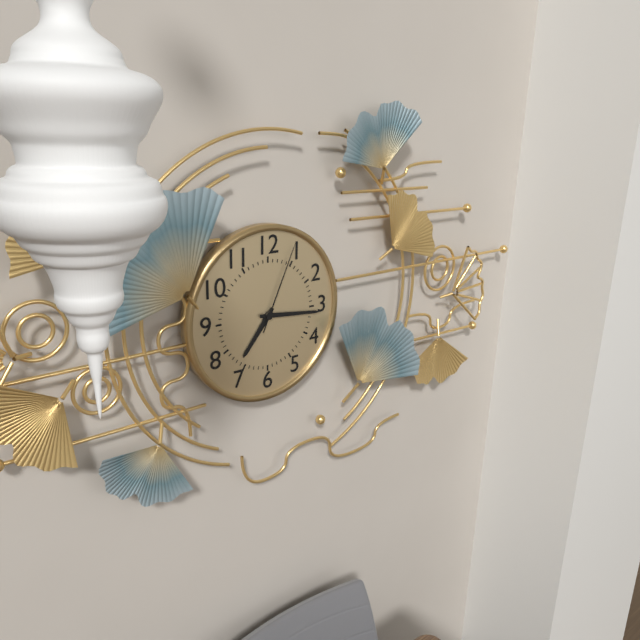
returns 7,16,04
